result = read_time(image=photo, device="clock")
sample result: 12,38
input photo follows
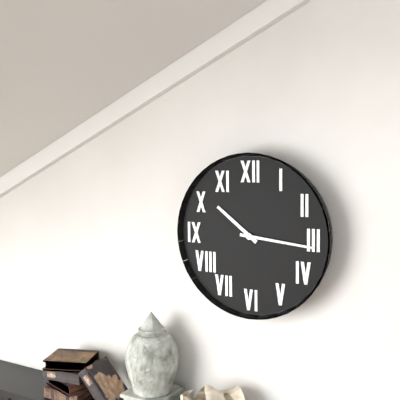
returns 10,16
